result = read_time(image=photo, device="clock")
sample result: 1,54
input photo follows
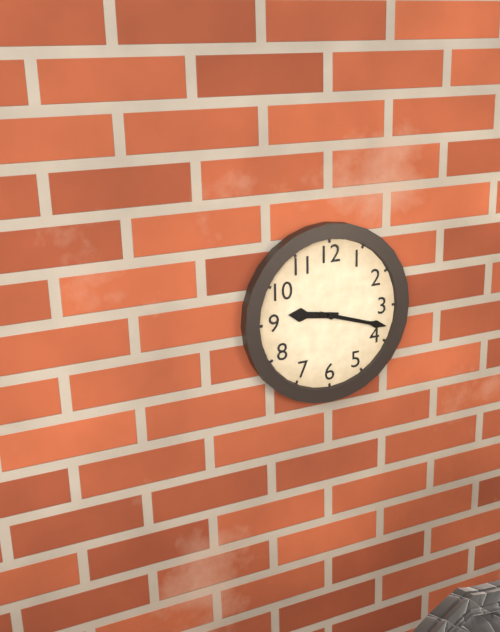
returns 9,18
